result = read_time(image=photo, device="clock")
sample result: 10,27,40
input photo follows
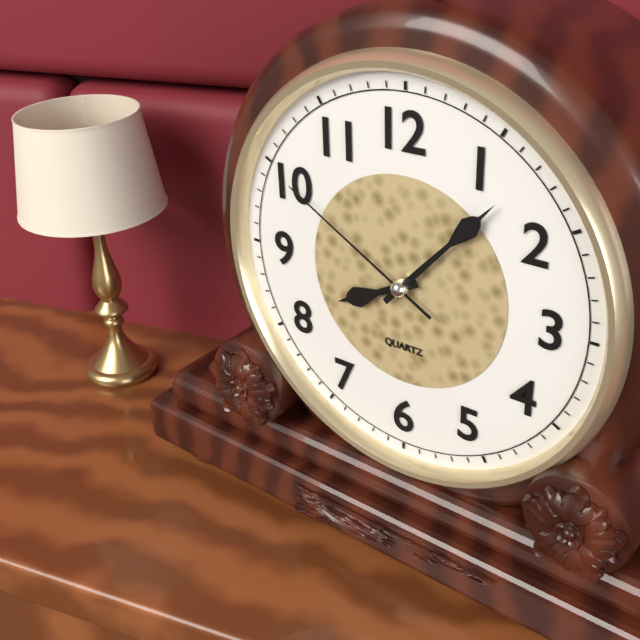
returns 8,07,50
